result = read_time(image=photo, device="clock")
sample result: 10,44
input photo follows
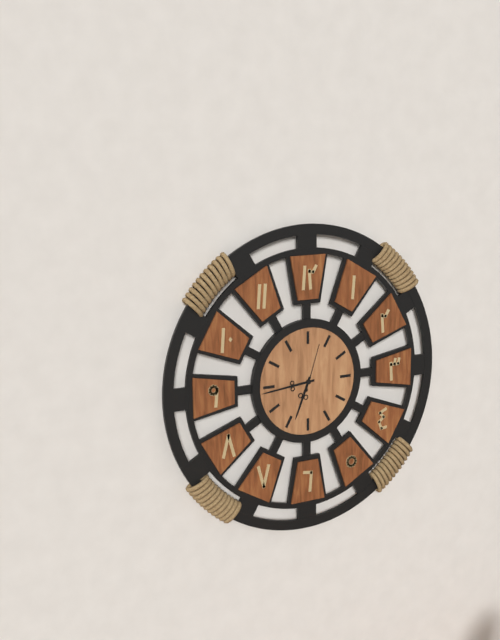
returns 6,44
